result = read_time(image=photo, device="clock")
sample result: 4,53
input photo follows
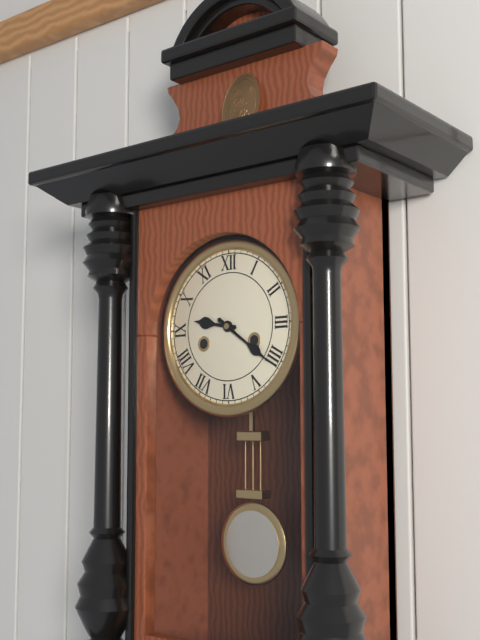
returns 9,21
